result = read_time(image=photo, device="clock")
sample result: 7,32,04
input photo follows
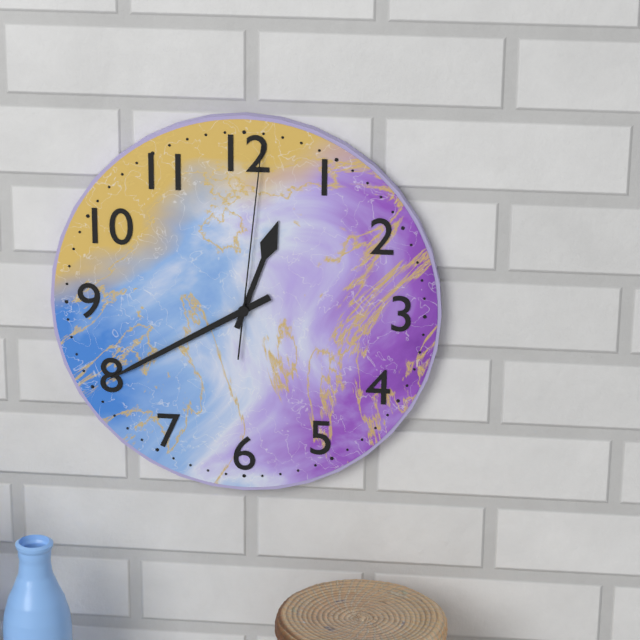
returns 12,40,01
